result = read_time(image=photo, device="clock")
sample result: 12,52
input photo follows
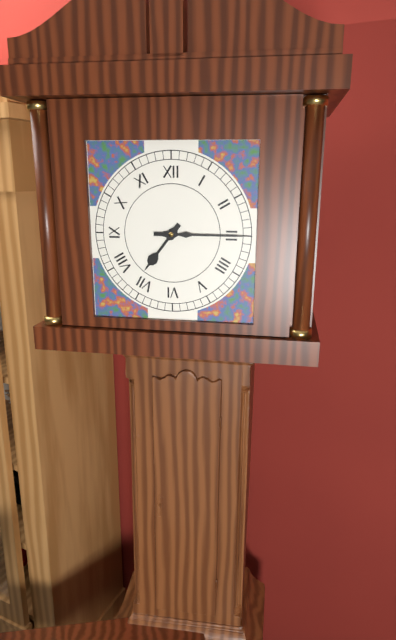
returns 7,15
